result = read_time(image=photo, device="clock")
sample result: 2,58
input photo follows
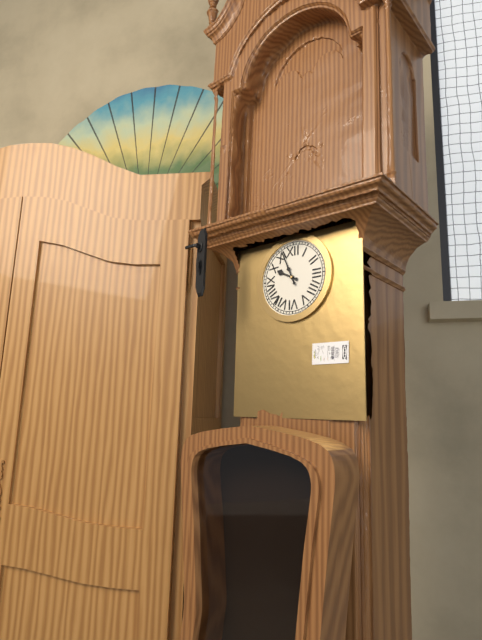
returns 9,56
